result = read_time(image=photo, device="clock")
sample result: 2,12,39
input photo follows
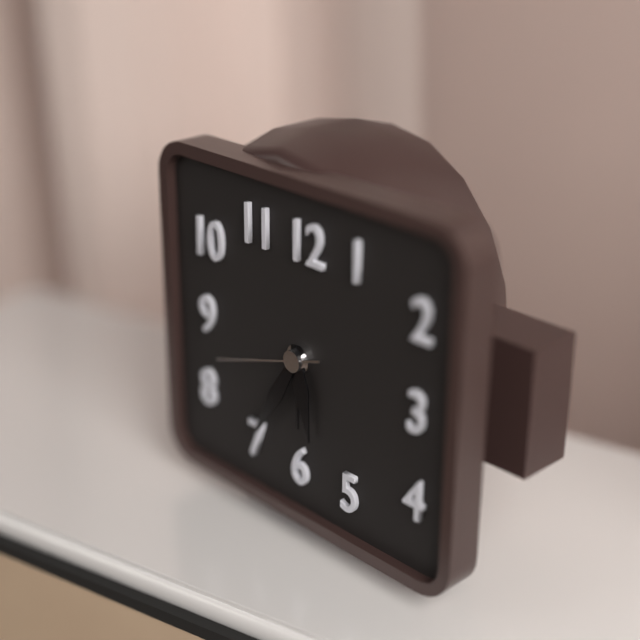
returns 5,35,42
